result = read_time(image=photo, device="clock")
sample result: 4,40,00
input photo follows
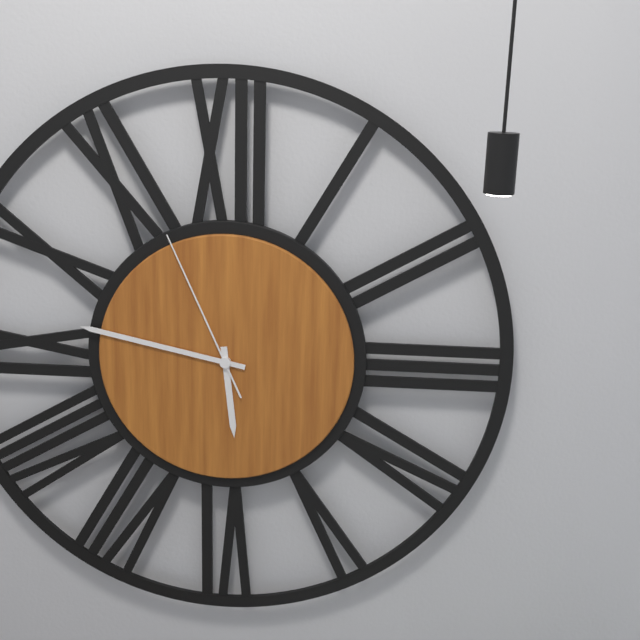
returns 5,47,56
